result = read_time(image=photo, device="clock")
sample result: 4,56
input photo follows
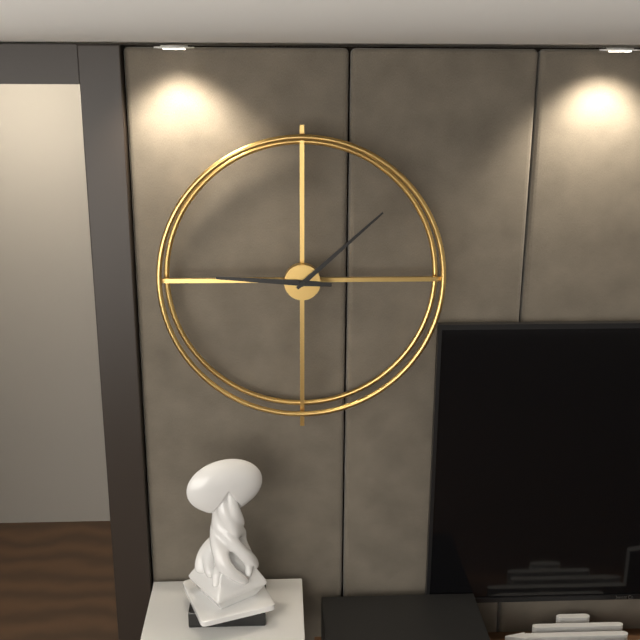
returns 9,08
